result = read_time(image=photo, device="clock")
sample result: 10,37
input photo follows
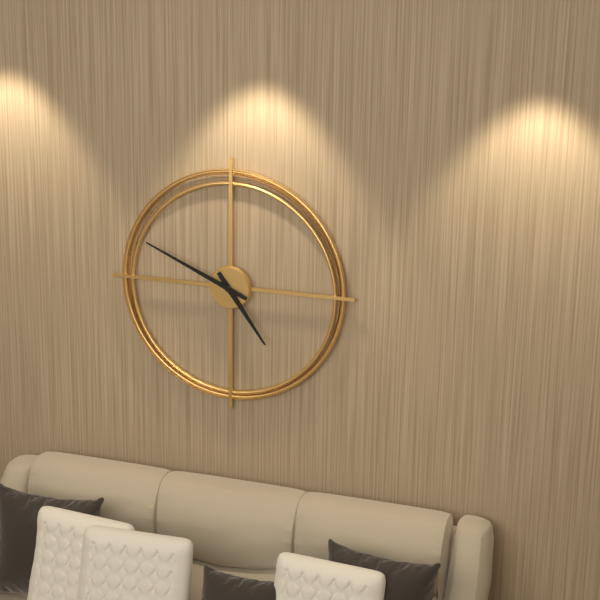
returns 4,49
